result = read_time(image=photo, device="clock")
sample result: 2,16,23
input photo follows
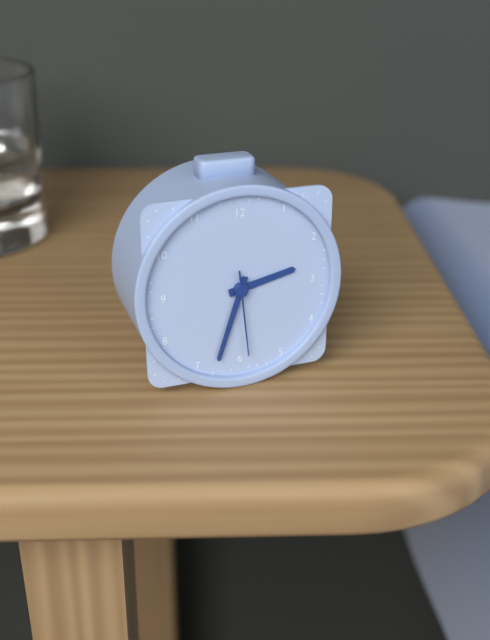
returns 2,33,29
